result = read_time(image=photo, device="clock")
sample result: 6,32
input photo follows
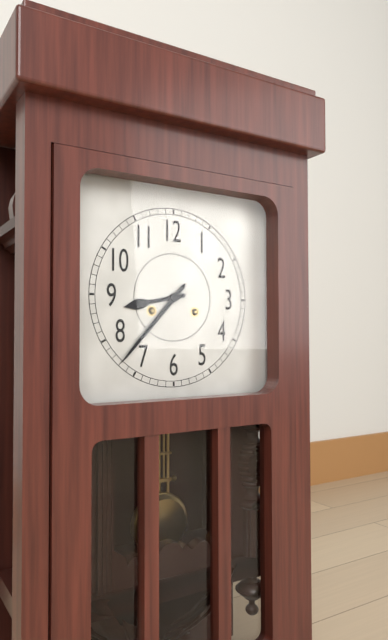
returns 8,37
